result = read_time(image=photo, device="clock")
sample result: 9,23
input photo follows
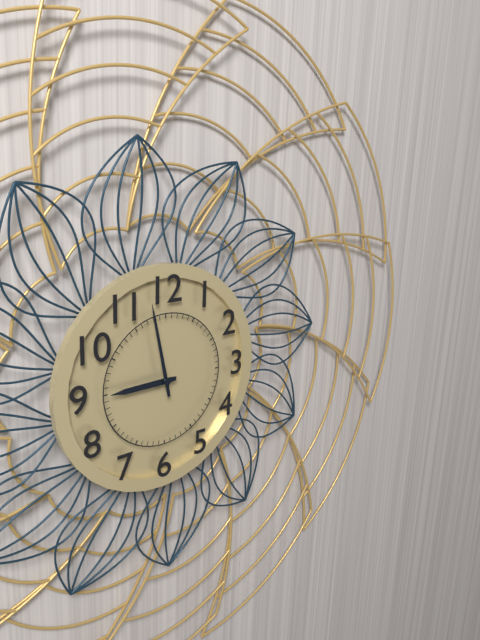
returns 8,58
